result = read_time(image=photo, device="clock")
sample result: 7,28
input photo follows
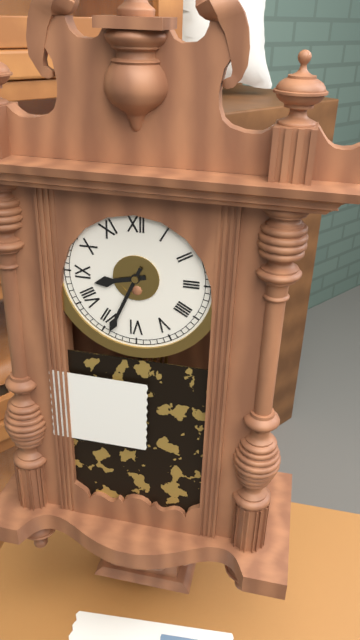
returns 8,34
